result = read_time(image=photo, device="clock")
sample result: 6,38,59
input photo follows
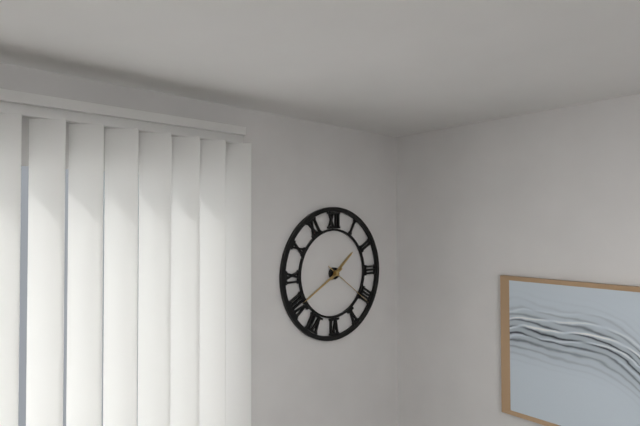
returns 1,40,21
